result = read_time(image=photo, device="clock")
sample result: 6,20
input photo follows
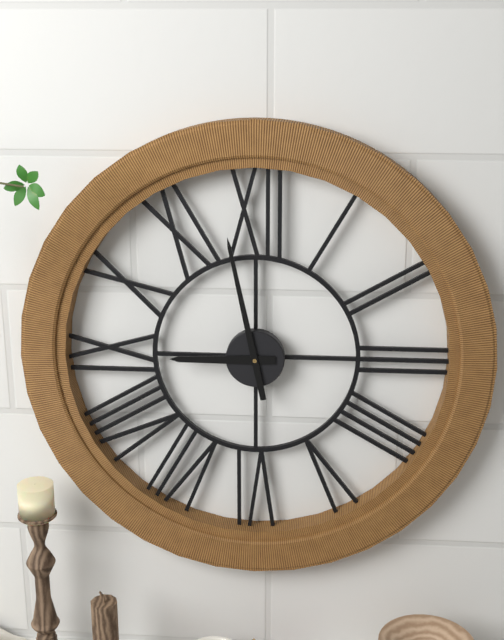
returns 8,58
